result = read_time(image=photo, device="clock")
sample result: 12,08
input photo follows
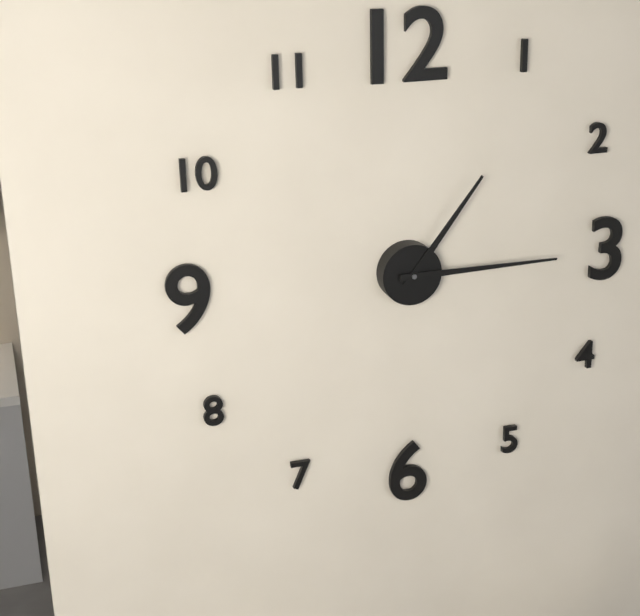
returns 1,15
